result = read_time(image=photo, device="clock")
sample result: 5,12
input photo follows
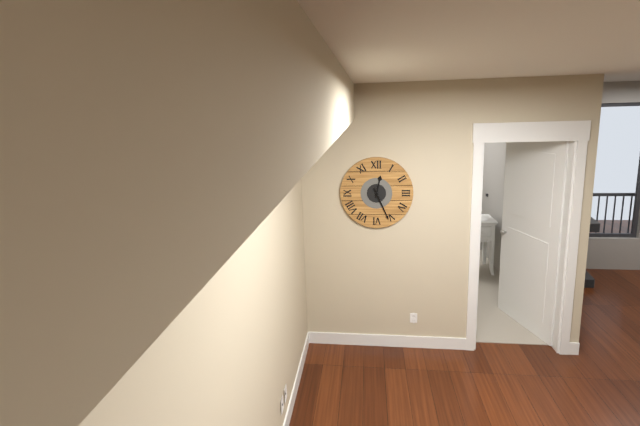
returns 12,26
